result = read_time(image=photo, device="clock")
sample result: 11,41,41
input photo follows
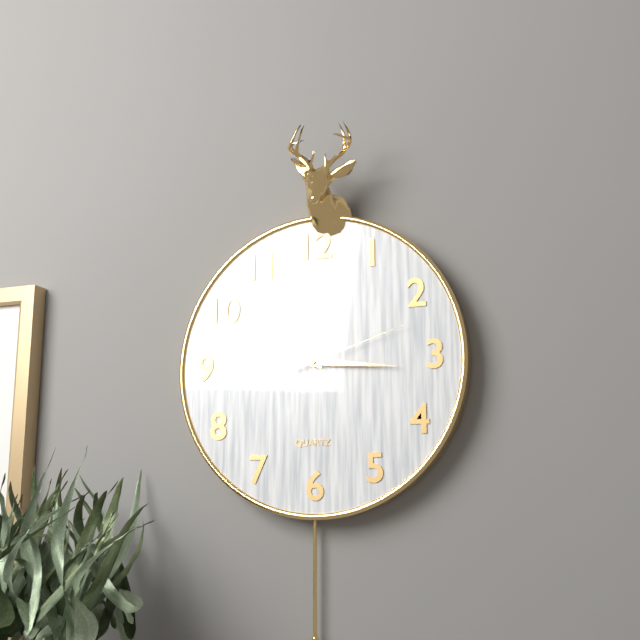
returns 10,16,12
